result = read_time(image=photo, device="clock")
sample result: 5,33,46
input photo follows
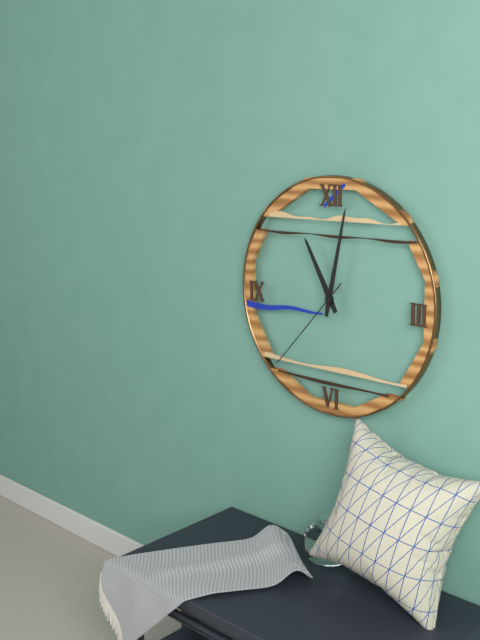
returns 11,02,37
